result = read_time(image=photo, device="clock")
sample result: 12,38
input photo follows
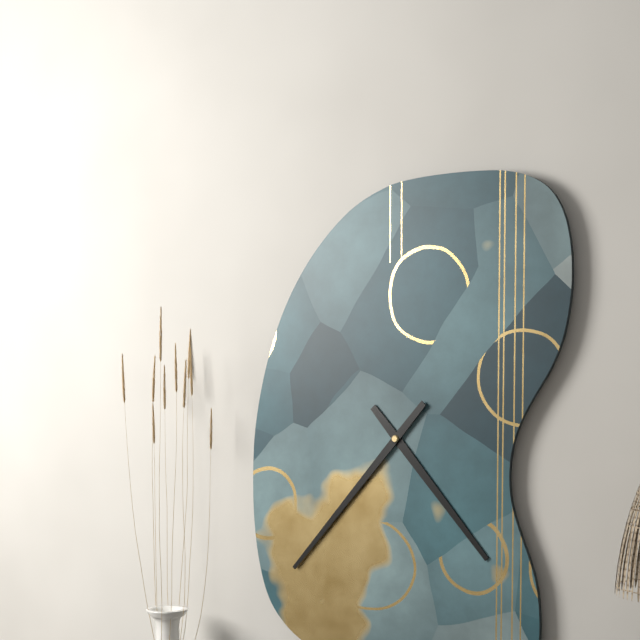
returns 4,37
